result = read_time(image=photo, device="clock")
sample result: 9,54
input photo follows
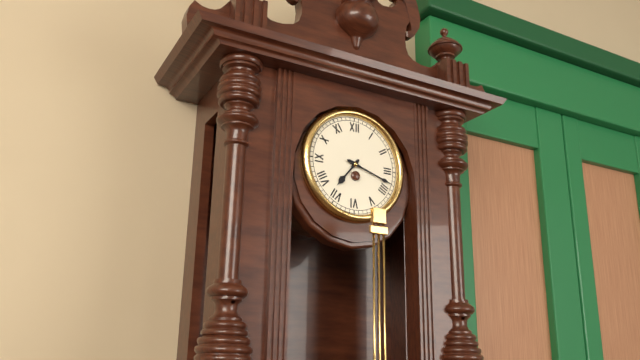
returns 7,18
